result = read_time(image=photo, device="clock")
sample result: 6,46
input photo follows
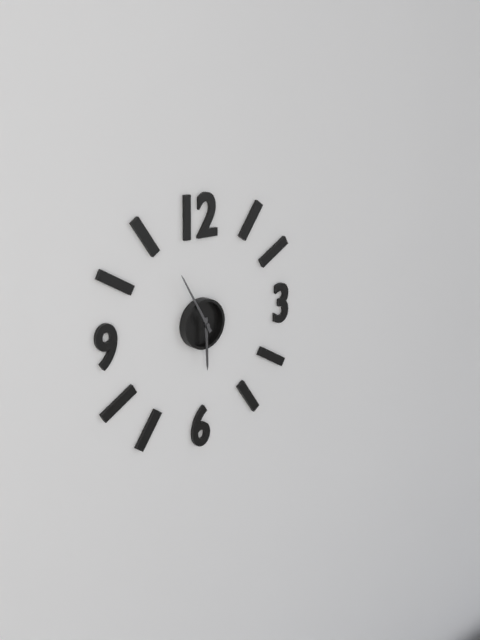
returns 5,55
